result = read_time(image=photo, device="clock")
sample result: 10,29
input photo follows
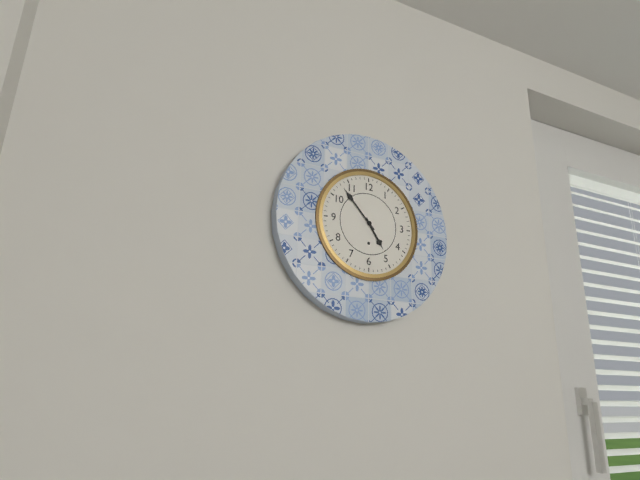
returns 4,53
